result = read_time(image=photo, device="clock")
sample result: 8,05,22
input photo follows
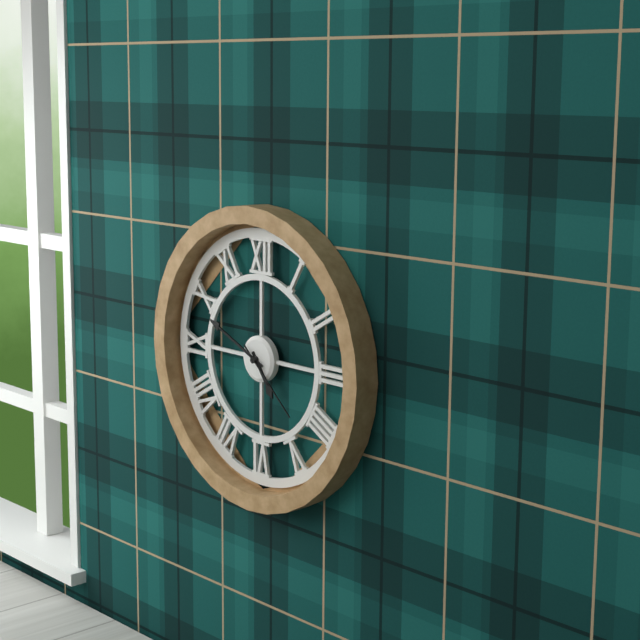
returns 4,49,22
